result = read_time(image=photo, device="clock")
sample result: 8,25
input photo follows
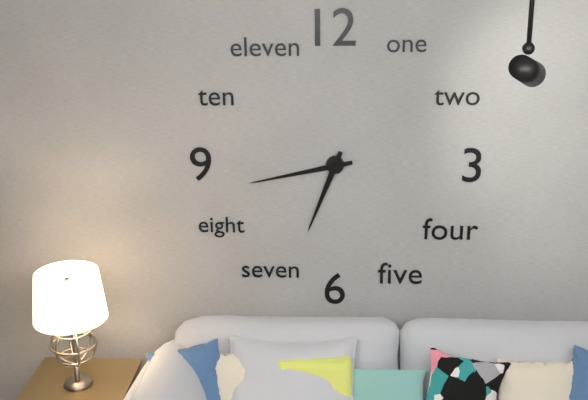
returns 6,43
